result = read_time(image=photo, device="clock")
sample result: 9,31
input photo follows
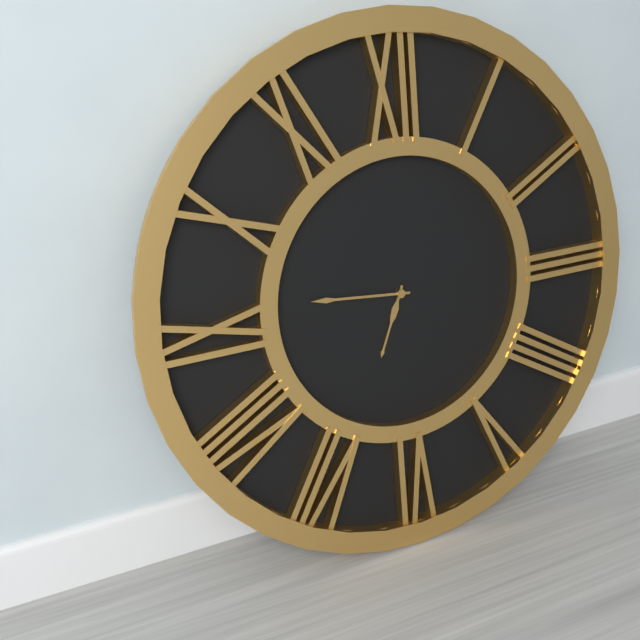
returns 6,46
